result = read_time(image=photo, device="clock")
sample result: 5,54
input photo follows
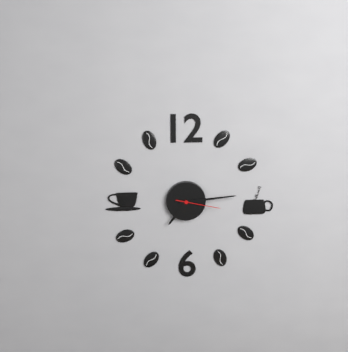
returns 7,14
